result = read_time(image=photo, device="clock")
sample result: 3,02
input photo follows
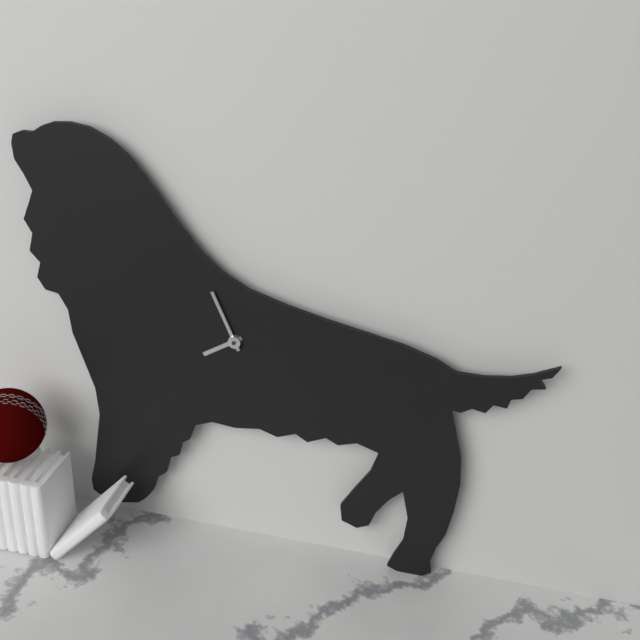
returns 7,56
